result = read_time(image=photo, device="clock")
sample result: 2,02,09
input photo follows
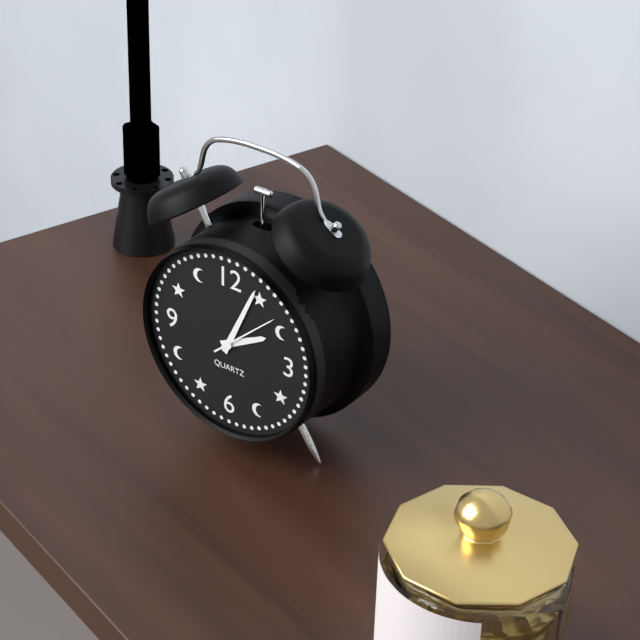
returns 2,04,08
